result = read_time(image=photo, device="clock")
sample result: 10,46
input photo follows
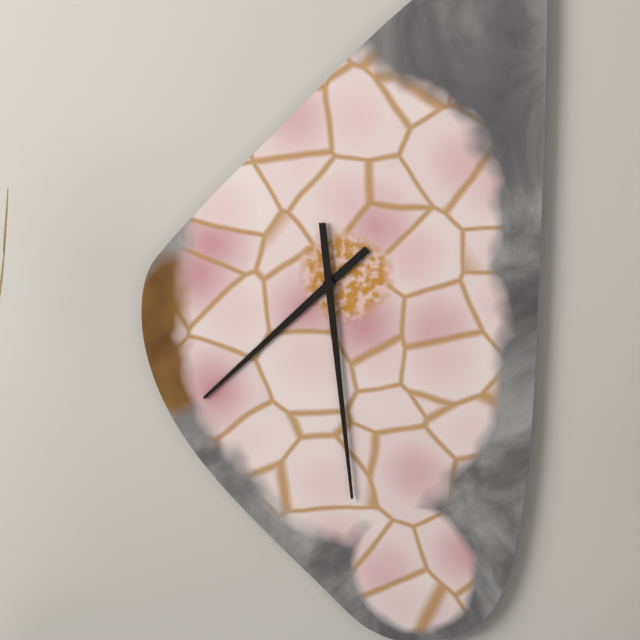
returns 7,29
